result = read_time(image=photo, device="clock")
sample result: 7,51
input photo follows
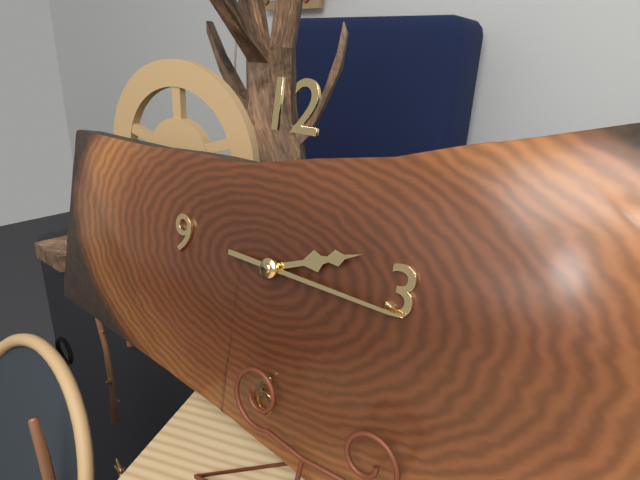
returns 2,15
